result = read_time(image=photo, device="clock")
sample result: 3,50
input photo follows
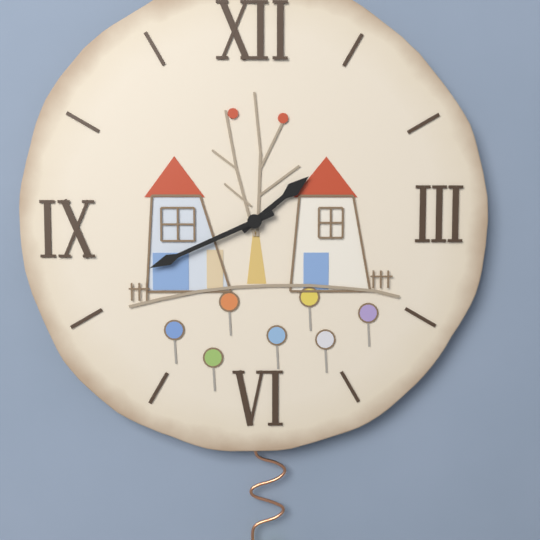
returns 1,41
